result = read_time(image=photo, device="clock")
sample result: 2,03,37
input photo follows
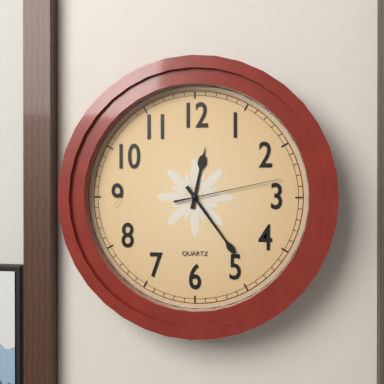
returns 12,24,13
